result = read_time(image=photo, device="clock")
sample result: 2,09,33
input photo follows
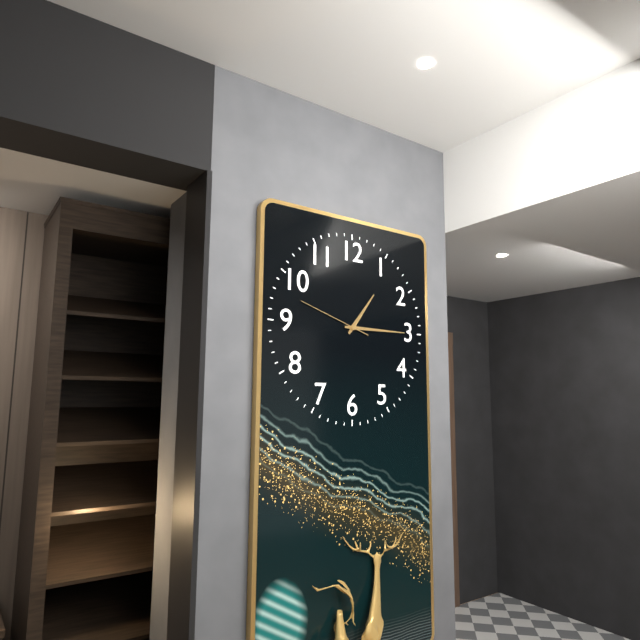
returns 1,15,48
